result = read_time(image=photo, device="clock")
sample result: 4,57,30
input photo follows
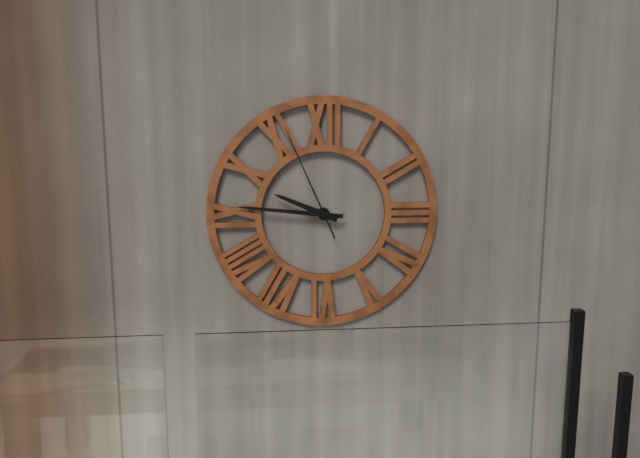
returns 9,46,56
